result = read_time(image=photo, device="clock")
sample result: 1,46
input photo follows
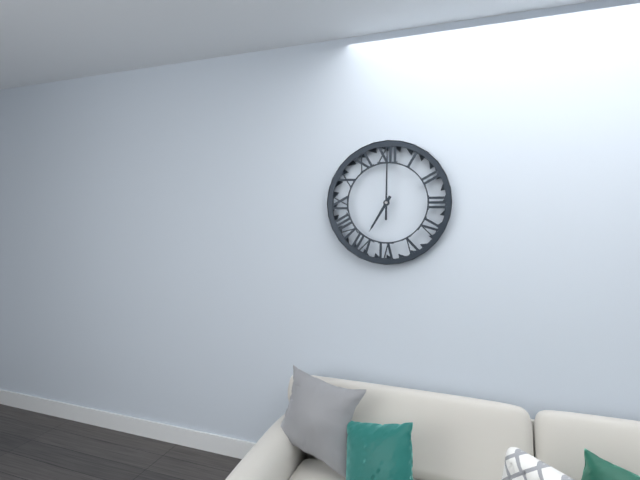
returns 7,00
